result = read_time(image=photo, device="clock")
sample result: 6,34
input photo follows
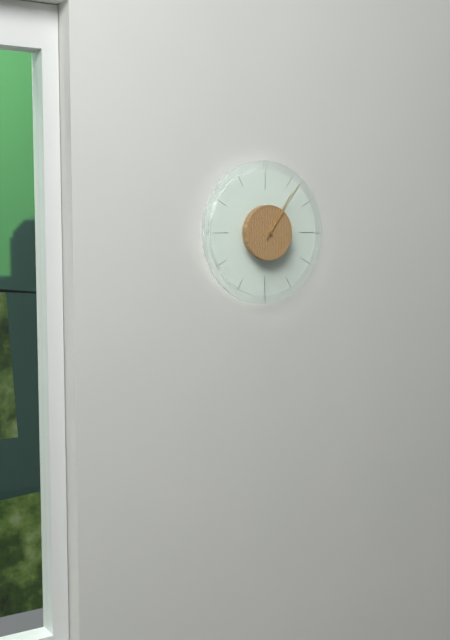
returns 1,06
